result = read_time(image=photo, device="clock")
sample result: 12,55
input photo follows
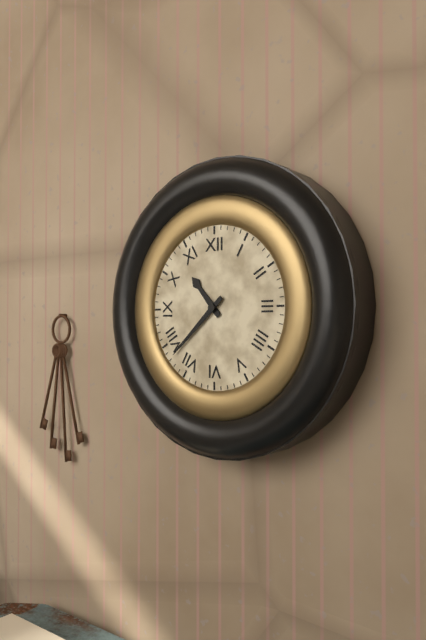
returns 10,38
